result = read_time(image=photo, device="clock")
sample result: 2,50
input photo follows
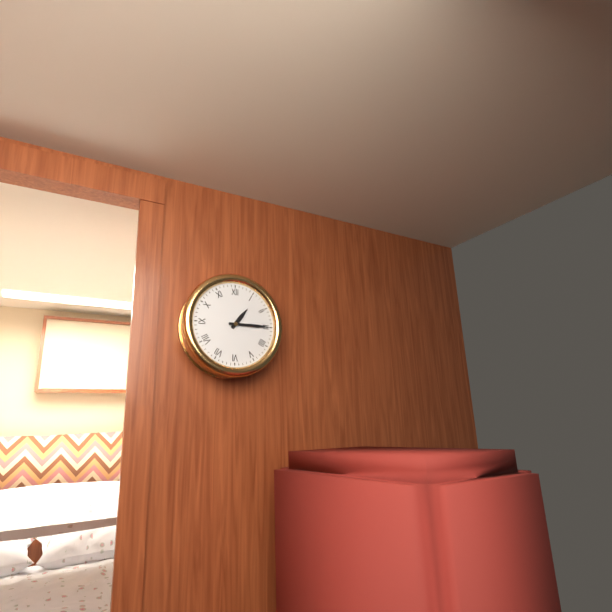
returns 1,15
